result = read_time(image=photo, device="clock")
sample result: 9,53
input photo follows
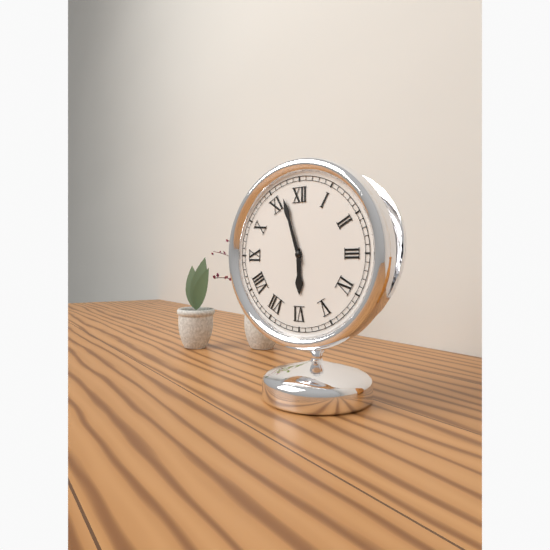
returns 5,57
